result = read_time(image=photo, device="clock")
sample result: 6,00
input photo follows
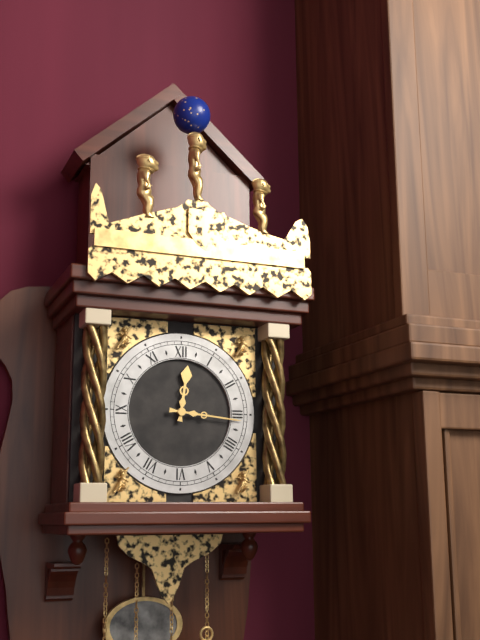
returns 12,16
